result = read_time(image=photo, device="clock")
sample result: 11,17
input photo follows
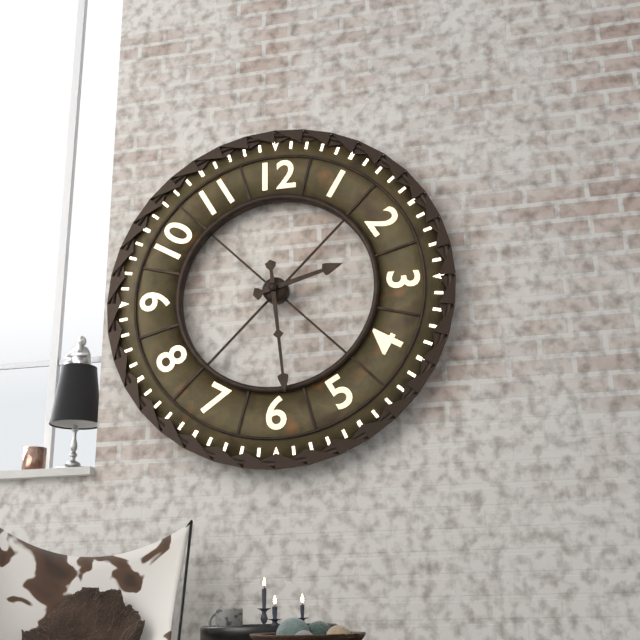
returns 2,29
